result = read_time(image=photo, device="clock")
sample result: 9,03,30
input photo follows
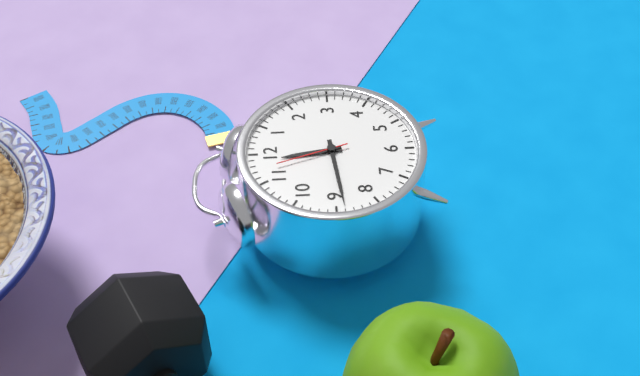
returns 11,44,57
